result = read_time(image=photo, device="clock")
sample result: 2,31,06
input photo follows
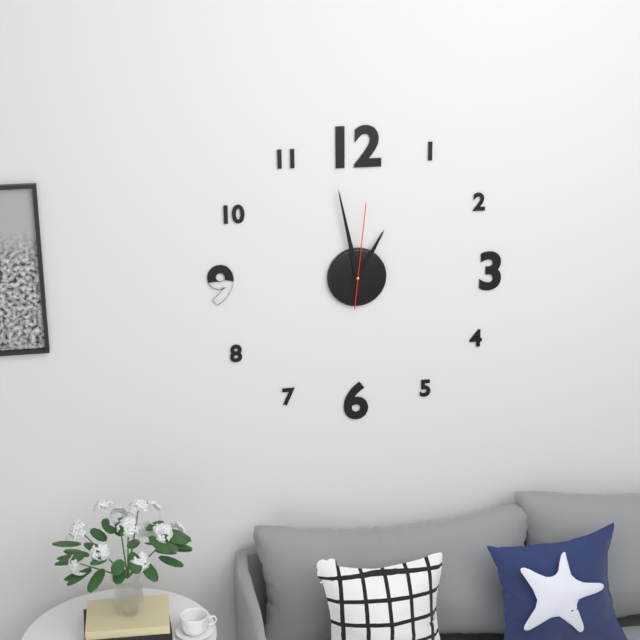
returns 12,58,01
